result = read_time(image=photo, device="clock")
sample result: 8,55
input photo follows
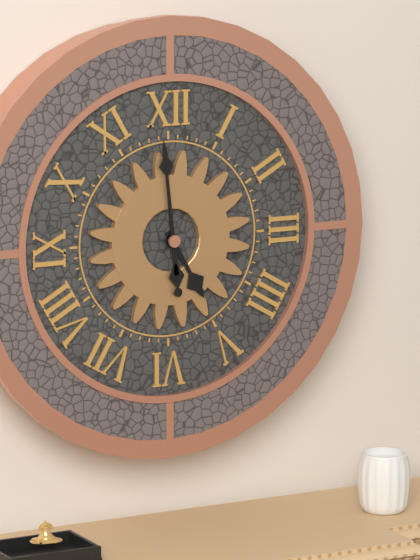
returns 4,59
